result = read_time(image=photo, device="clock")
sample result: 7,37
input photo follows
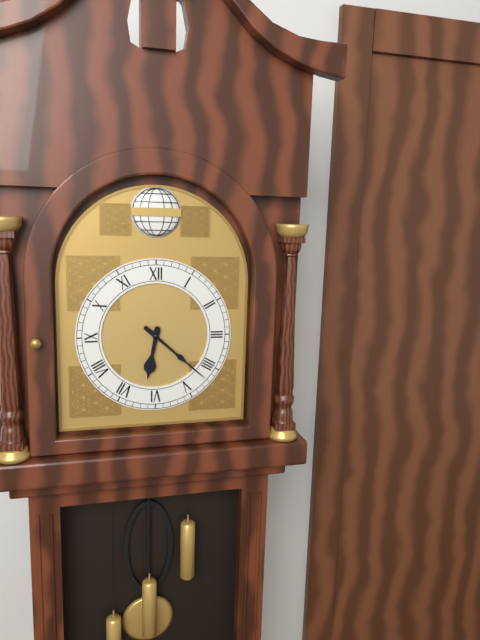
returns 6,22
